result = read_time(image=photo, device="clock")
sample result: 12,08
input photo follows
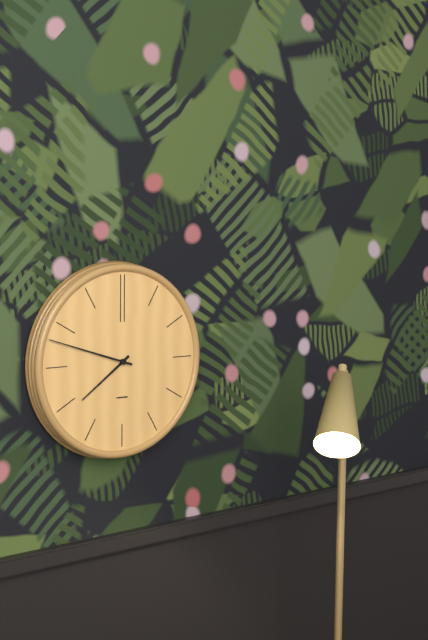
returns 7,48
